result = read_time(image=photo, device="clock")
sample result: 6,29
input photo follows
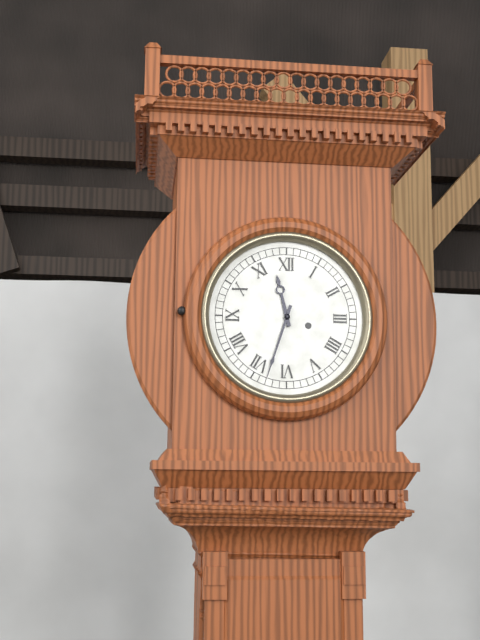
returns 11,33
